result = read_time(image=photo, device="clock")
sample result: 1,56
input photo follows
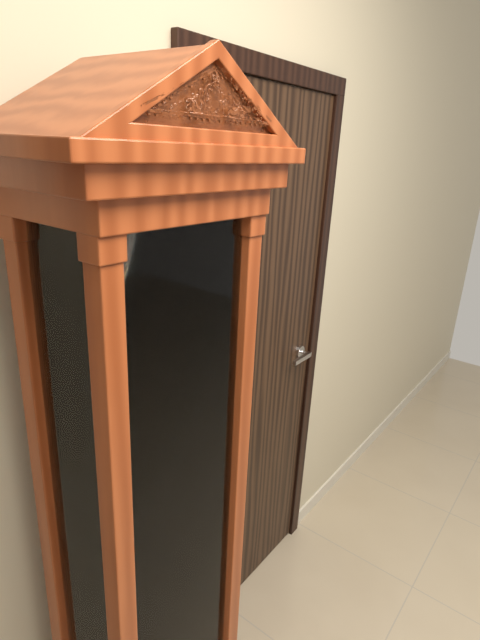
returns 6,36
